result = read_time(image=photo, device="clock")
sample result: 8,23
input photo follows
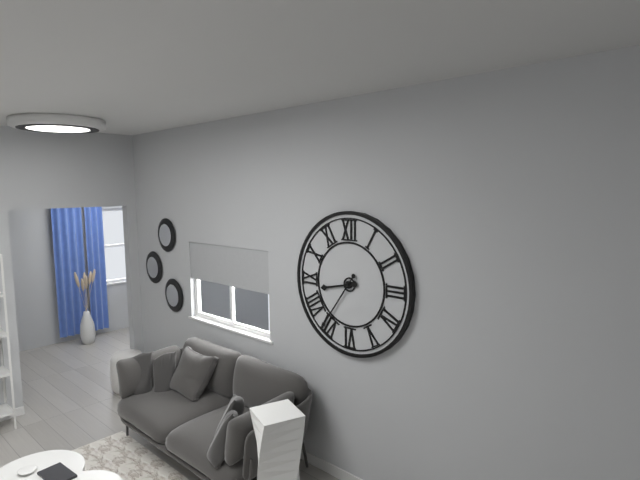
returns 8,36
